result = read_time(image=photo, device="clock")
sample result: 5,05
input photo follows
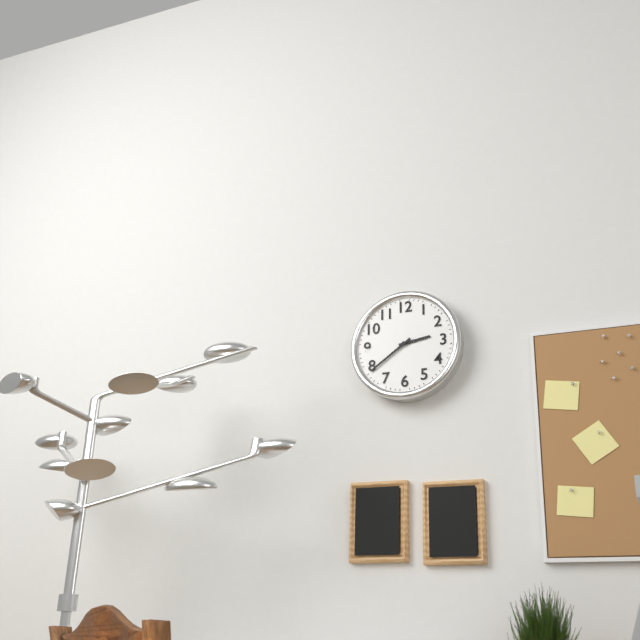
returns 2,39
